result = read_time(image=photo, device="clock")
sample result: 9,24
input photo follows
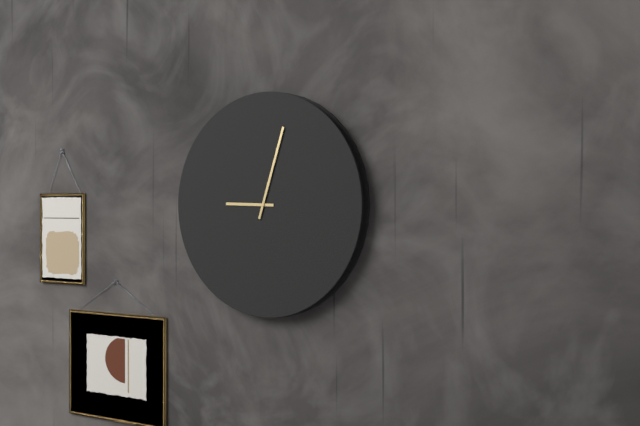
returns 9,03
